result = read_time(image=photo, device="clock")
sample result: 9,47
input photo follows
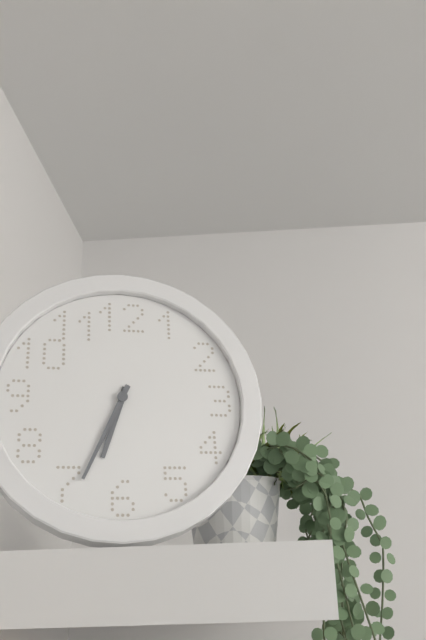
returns 6,34
